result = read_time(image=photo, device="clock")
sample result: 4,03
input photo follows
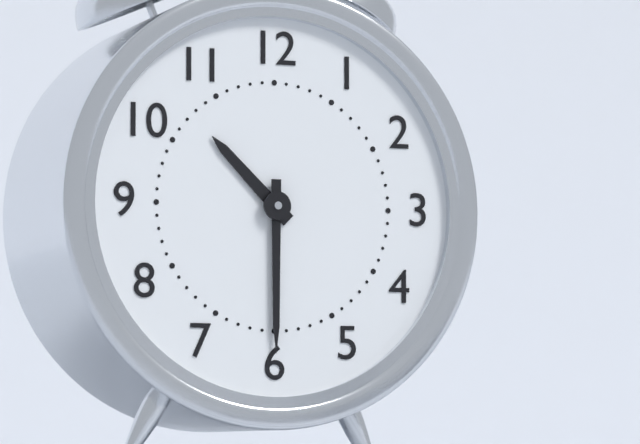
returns 10,30
